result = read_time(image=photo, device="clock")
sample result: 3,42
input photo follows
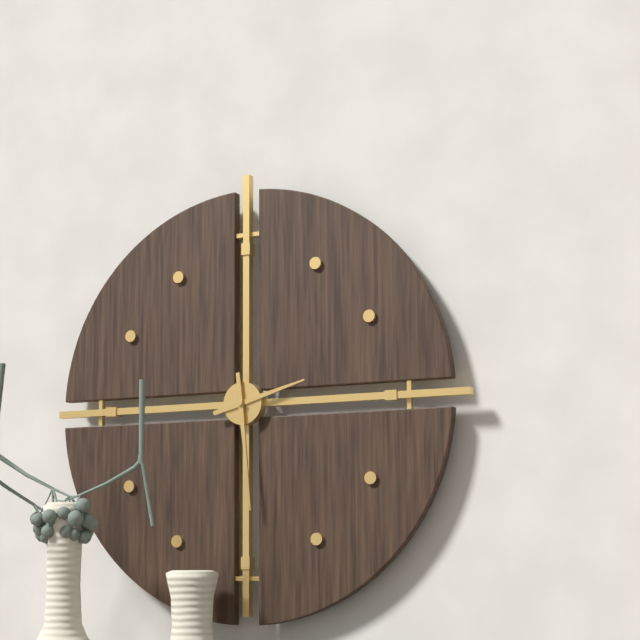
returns 2,29
